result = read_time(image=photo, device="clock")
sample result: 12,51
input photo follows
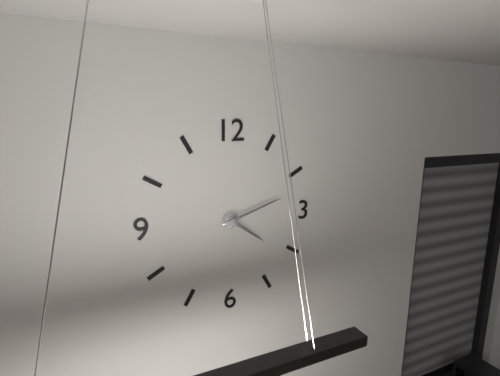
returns 4,12
